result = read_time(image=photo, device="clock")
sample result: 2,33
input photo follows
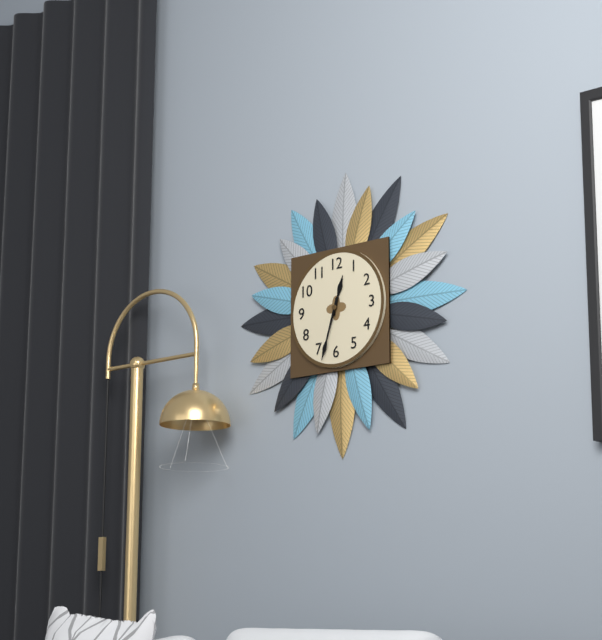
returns 12,33
